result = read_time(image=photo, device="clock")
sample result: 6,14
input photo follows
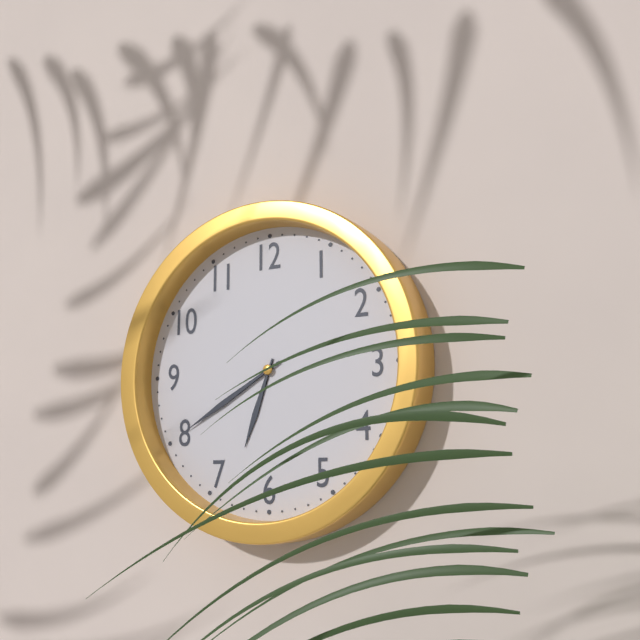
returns 6,40
